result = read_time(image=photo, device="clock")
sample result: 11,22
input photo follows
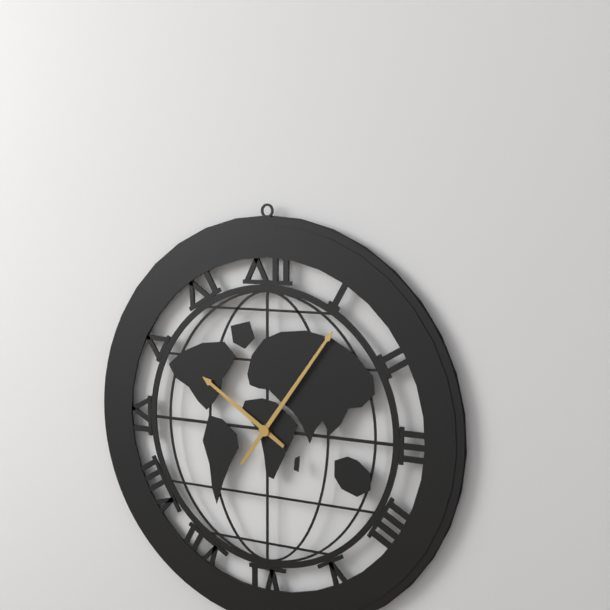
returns 10,06
